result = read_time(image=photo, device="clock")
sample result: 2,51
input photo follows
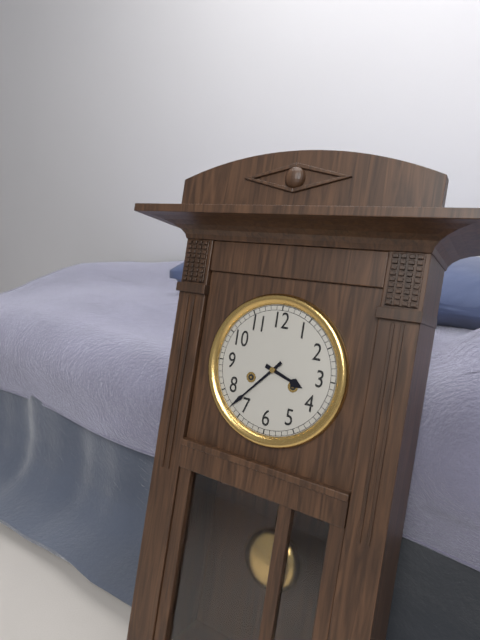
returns 3,37
